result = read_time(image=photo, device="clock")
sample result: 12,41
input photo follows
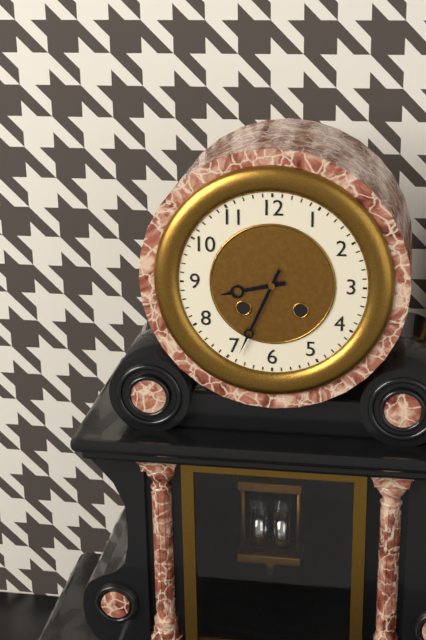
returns 8,34
